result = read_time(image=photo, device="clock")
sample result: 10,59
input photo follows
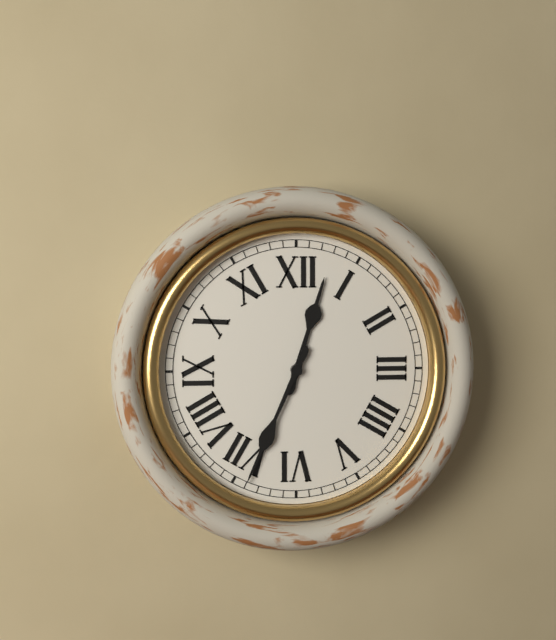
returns 12,34
